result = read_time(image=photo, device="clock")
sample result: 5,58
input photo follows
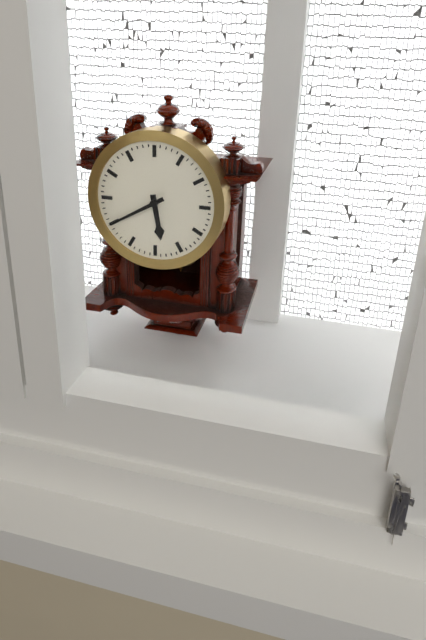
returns 5,40
